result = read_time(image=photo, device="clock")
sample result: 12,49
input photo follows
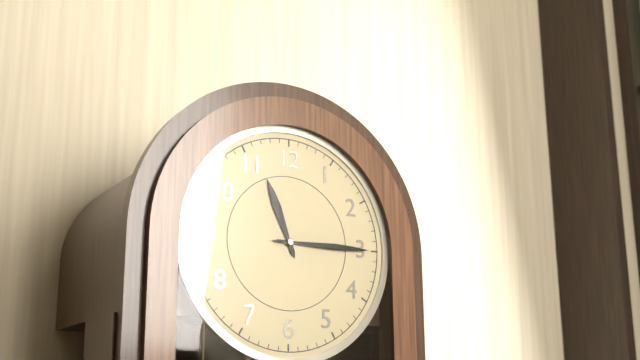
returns 11,15
